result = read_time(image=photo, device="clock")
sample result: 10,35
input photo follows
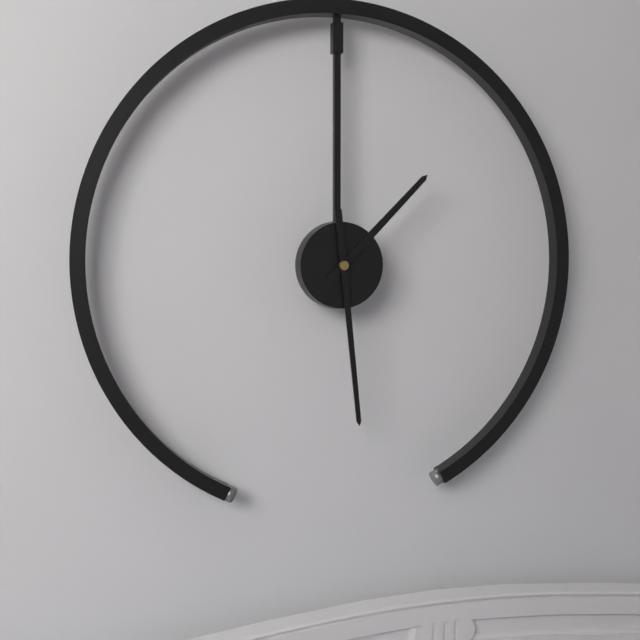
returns 1,29
